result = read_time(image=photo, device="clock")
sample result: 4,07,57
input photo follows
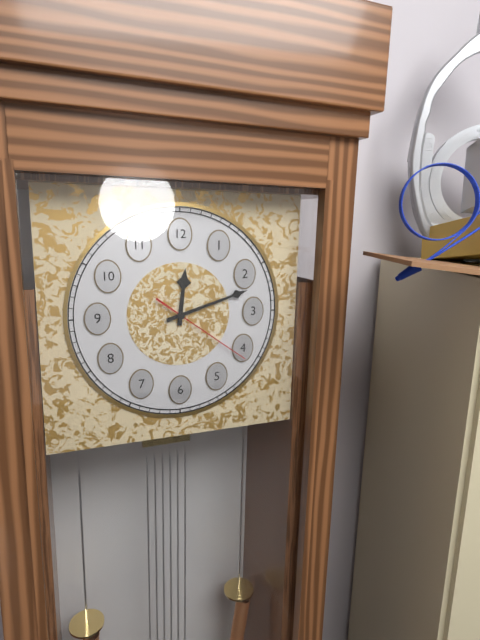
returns 12,12,21
